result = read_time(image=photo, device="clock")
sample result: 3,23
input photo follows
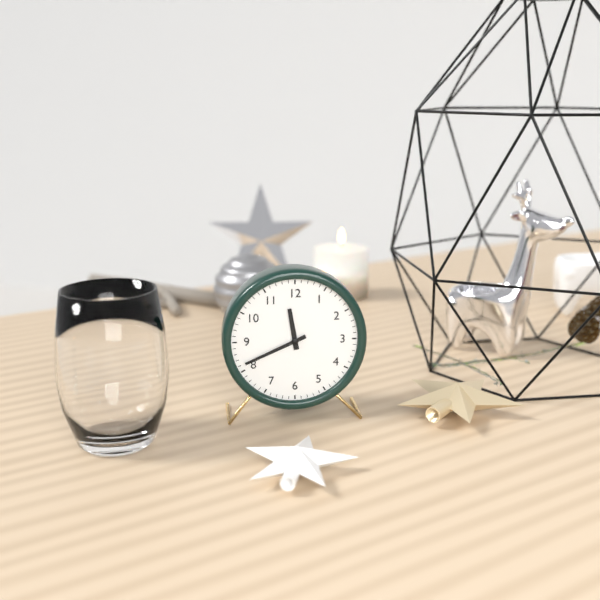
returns 11,41
